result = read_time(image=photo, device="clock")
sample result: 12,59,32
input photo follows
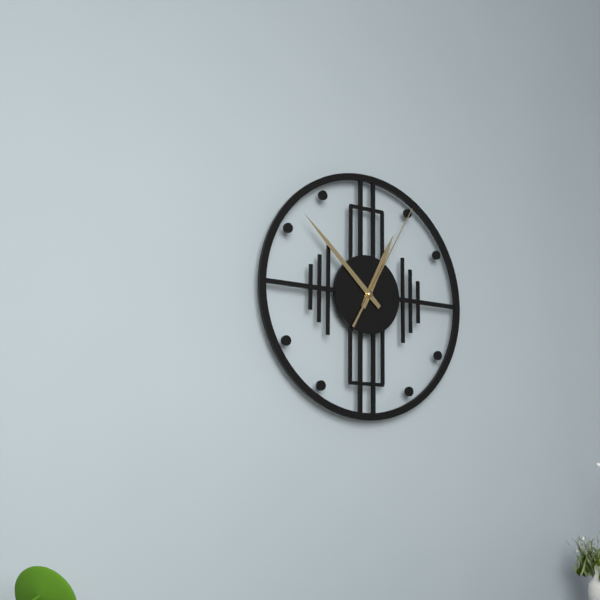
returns 12,52,05
